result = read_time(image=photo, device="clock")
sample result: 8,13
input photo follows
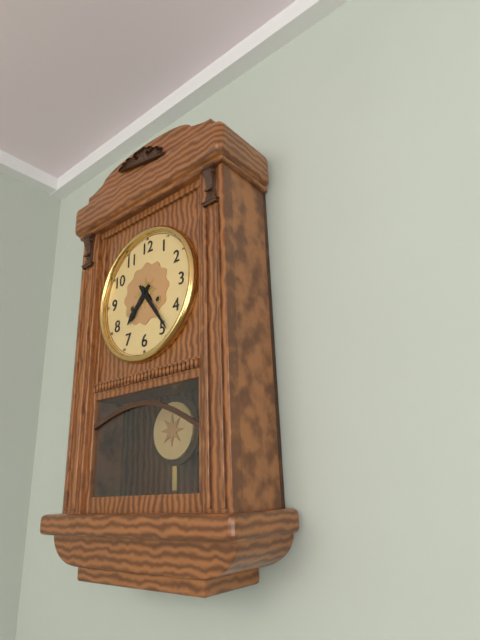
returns 7,24
